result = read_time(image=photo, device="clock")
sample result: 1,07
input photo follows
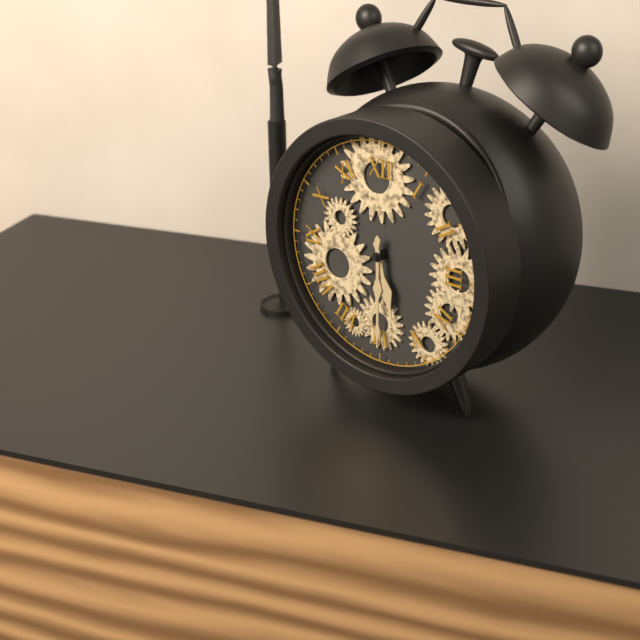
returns 5,30
